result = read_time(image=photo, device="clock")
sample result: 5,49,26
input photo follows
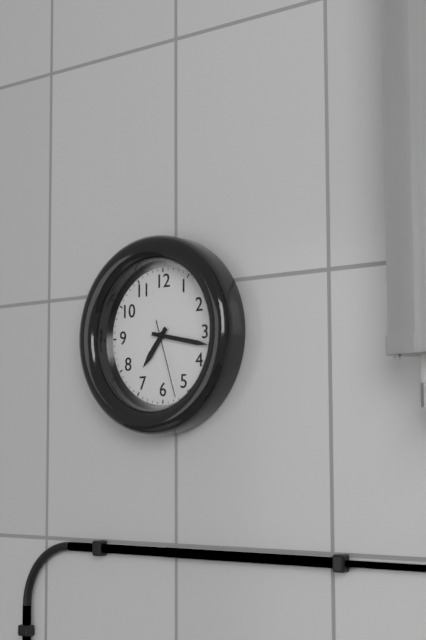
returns 7,17,27
